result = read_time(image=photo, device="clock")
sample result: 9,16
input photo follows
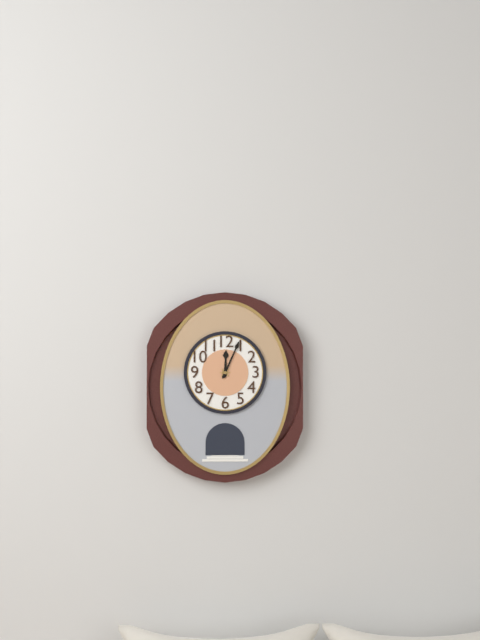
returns 12,04
